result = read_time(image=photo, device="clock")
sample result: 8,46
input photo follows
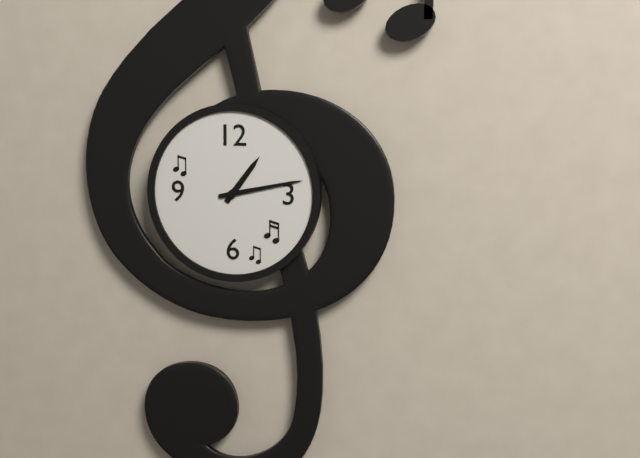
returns 1,13
